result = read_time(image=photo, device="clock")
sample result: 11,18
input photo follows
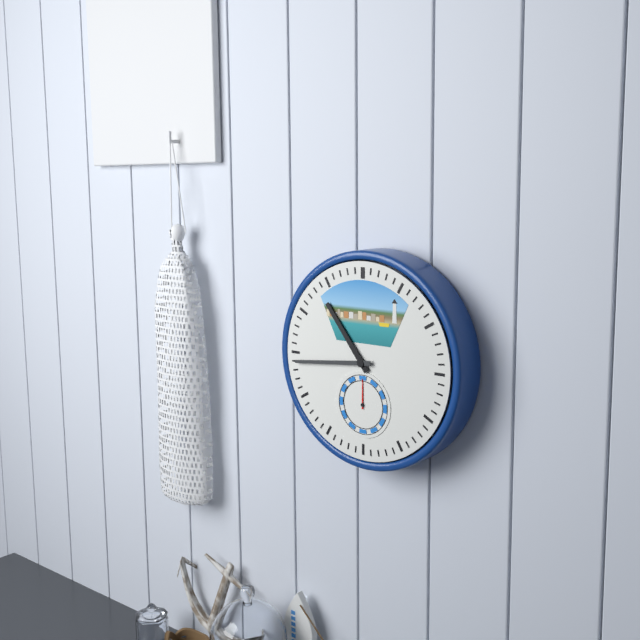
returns 10,44
